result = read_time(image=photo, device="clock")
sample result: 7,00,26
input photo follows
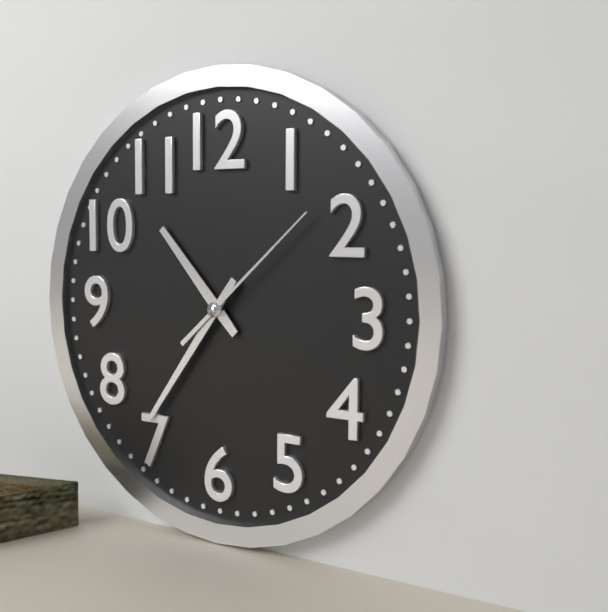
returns 10,36,08
